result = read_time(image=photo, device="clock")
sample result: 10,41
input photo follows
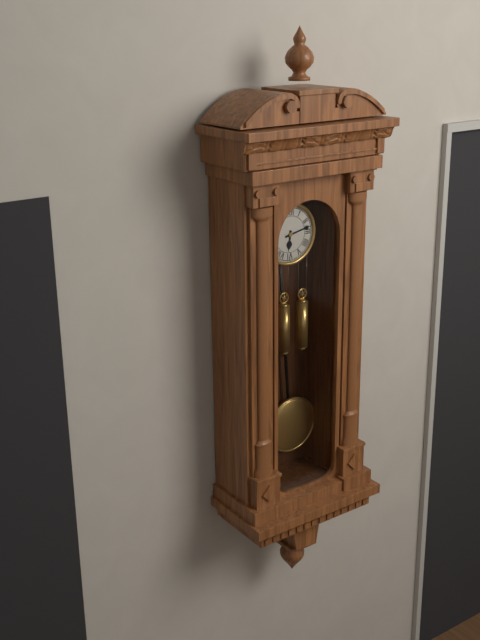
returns 6,13
